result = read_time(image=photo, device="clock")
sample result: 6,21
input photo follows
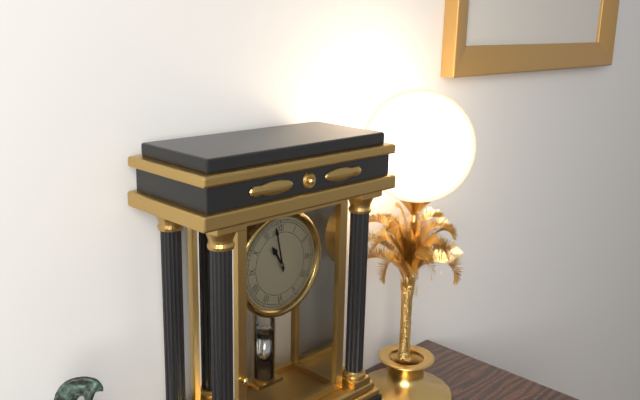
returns 10,58
